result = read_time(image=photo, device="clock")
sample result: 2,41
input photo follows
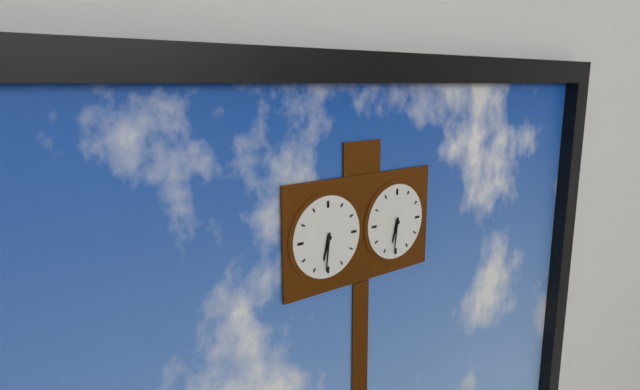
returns 6,31
